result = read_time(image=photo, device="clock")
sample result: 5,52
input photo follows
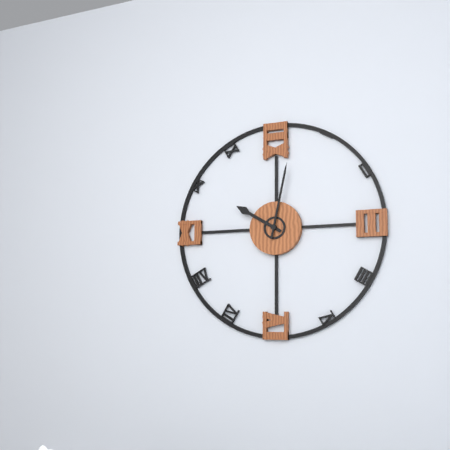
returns 10,02
